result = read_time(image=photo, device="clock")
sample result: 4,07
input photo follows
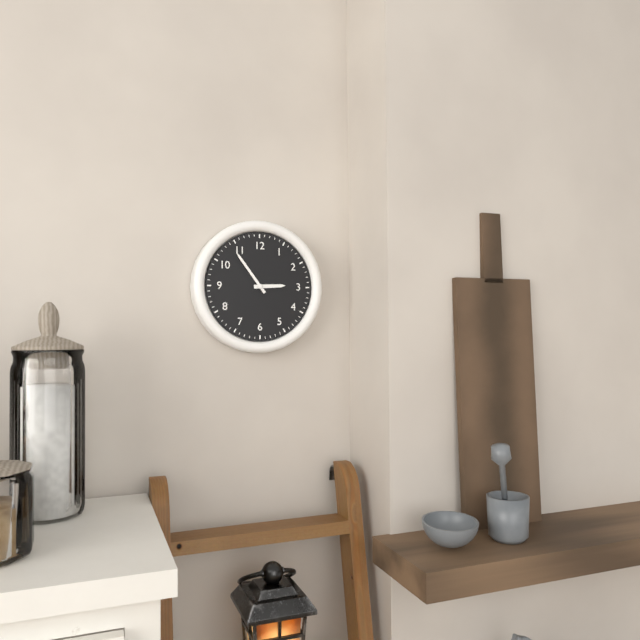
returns 2,54
